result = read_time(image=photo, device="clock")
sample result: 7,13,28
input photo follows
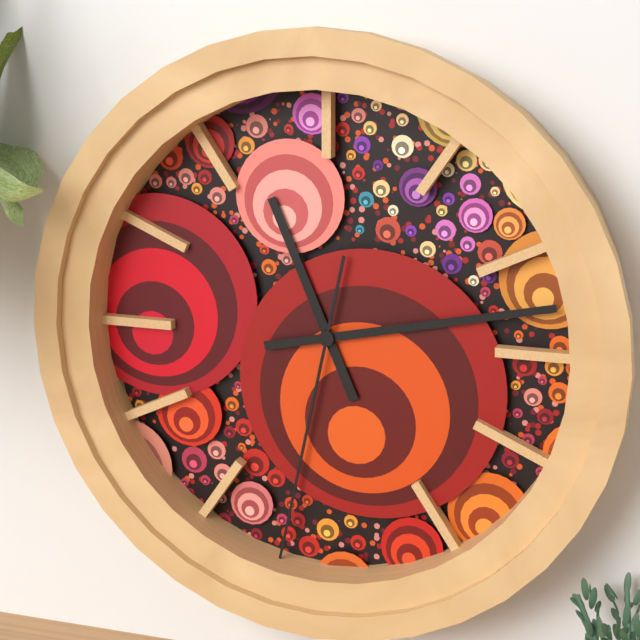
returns 11,13,32
